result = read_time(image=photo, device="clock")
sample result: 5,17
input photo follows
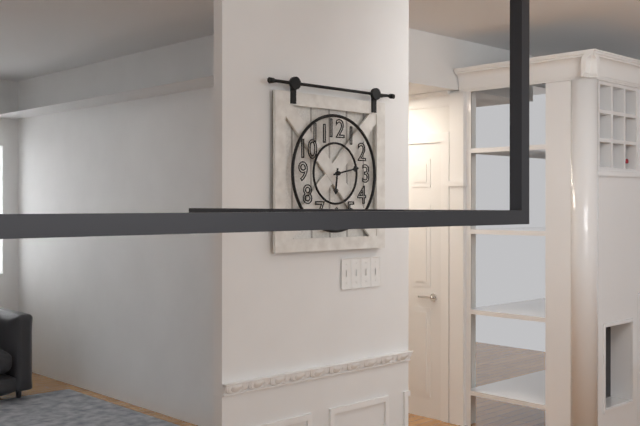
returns 6,13
